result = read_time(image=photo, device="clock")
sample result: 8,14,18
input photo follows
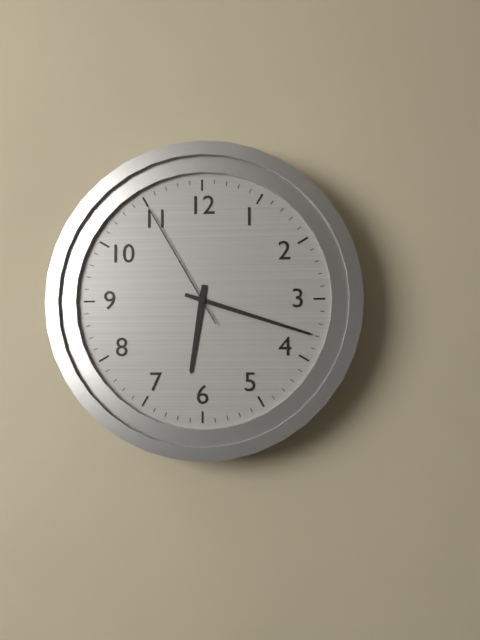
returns 6,18,55
